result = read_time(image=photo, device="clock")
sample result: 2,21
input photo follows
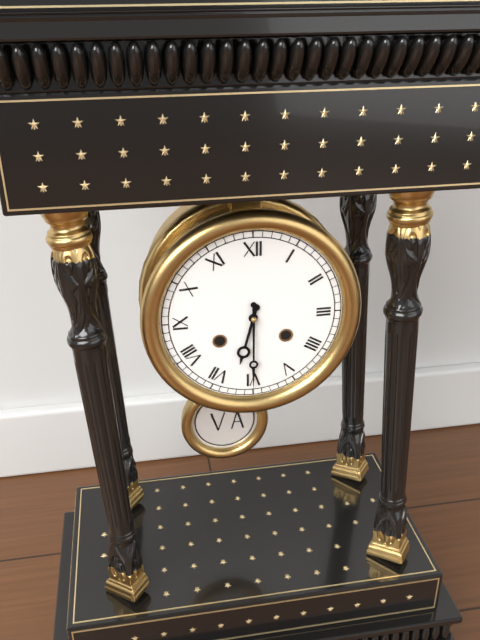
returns 6,30
